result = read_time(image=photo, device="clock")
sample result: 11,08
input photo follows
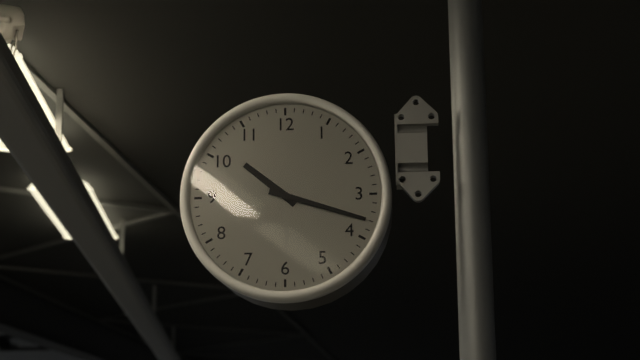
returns 10,18
